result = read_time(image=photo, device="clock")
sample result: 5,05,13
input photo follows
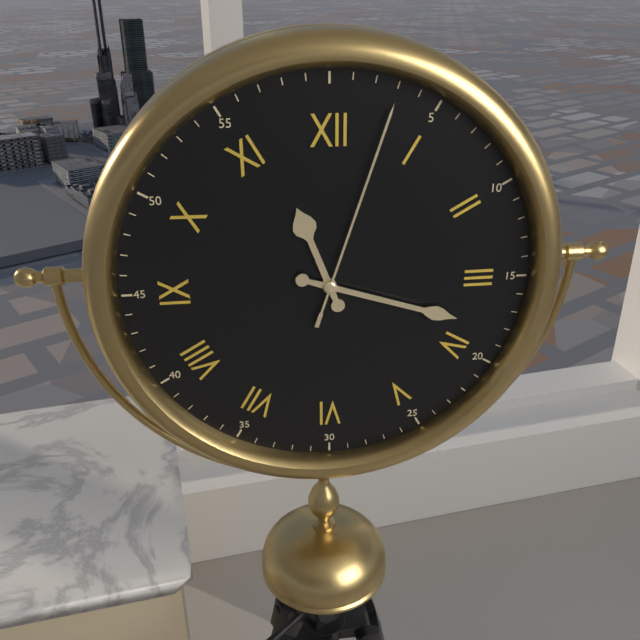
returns 11,18,03
